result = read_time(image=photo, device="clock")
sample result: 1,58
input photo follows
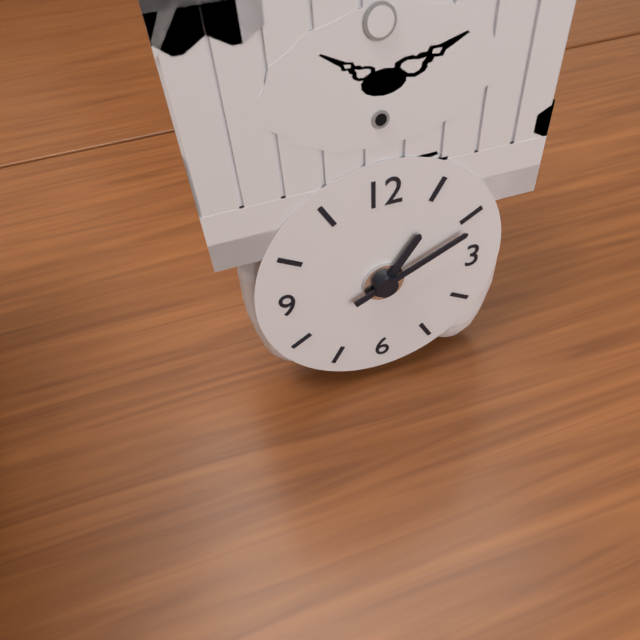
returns 1,11
